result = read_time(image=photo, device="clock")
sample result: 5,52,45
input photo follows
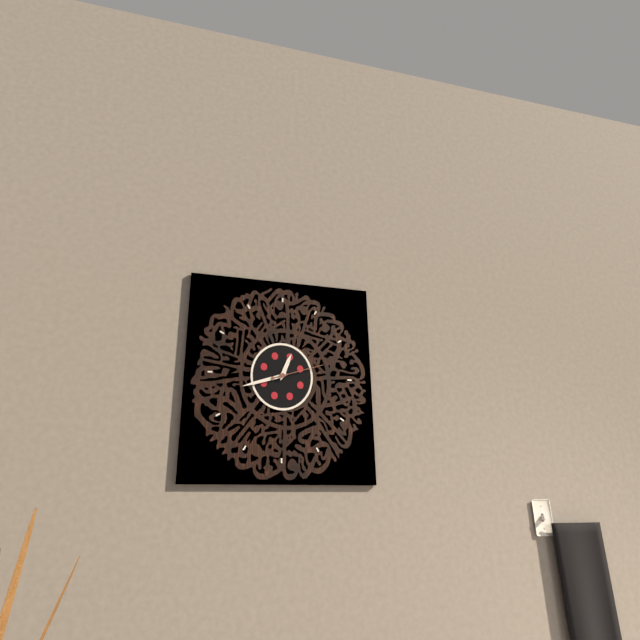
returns 12,42,12
